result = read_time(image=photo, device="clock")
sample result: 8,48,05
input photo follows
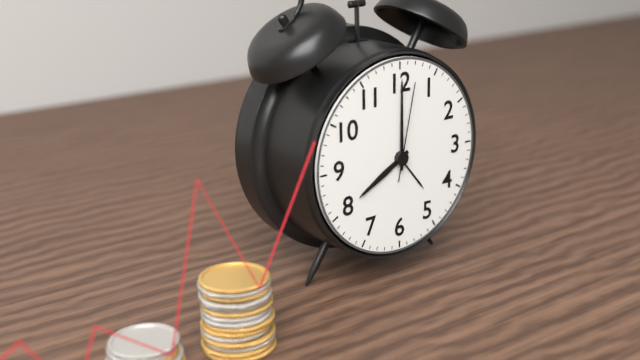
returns 8,00,02
